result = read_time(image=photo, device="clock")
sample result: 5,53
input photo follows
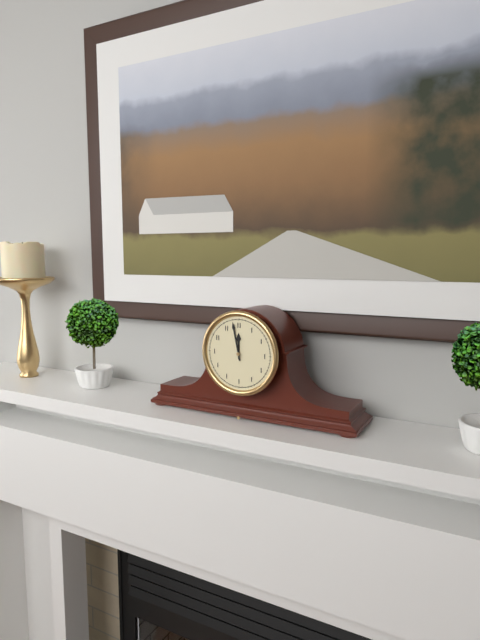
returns 11,58
